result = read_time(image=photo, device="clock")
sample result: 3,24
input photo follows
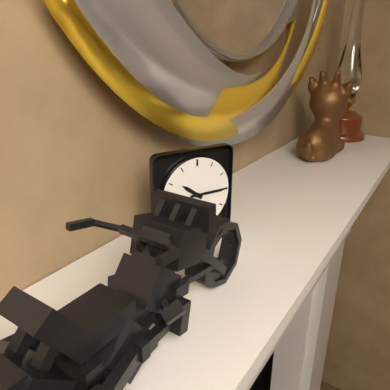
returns 10,15
